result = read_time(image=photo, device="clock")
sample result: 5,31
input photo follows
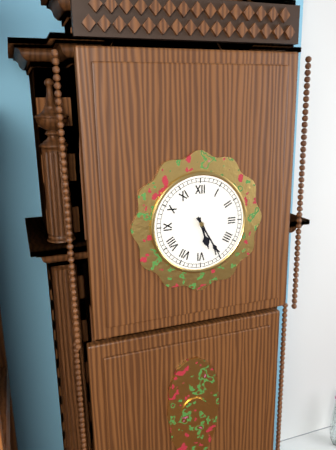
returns 5,25
